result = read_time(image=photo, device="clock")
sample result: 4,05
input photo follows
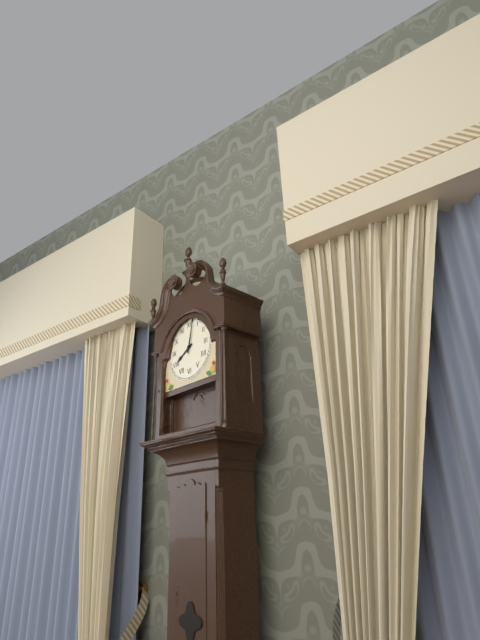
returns 8,02
